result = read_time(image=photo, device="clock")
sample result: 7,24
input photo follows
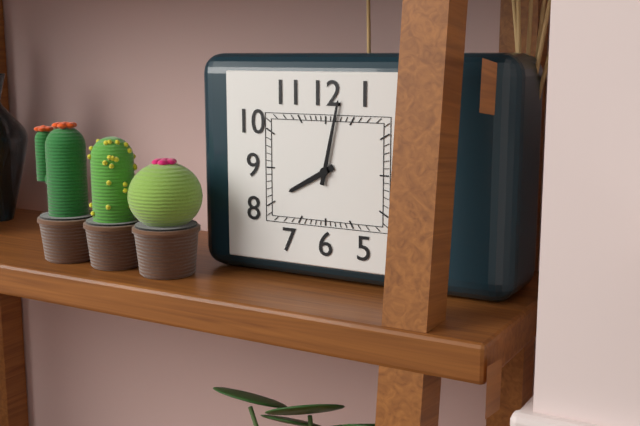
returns 8,02
